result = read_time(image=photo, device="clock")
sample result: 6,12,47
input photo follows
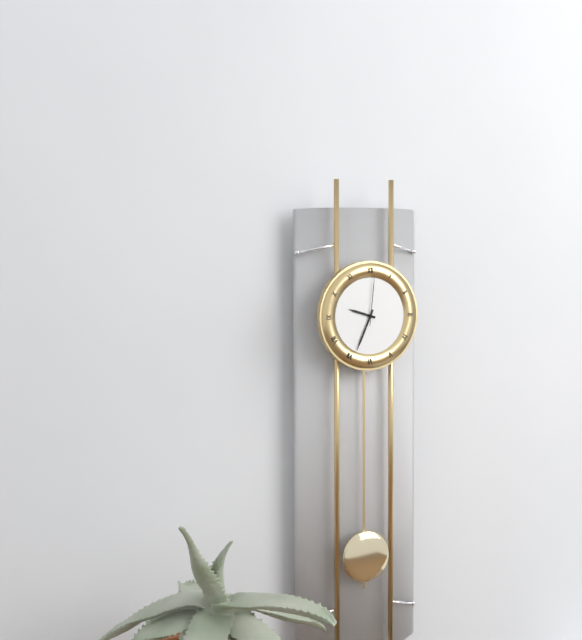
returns 9,34,01
